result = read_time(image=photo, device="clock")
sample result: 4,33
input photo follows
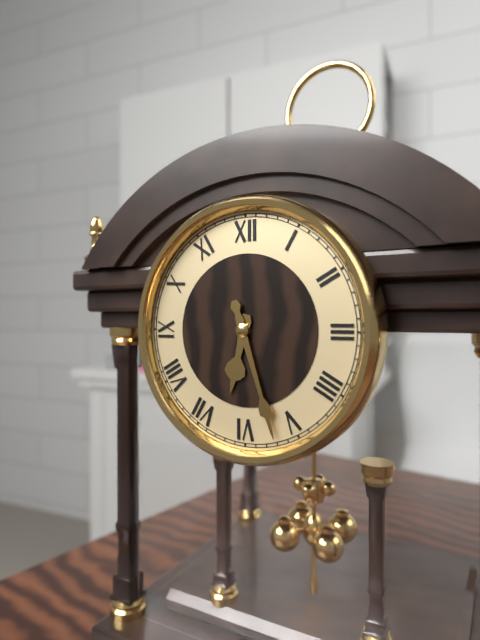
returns 6,27
